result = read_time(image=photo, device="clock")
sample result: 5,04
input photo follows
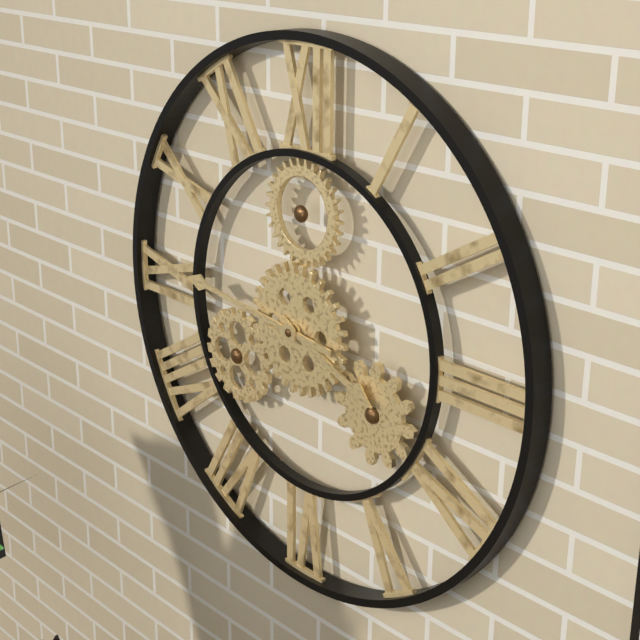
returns 3,46
